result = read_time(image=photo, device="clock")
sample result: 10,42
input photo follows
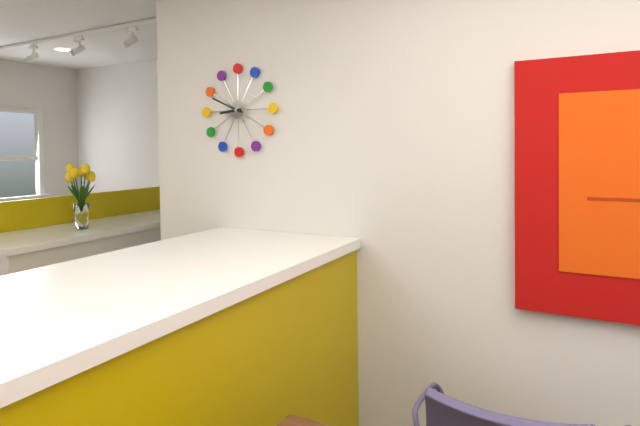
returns 8,49
